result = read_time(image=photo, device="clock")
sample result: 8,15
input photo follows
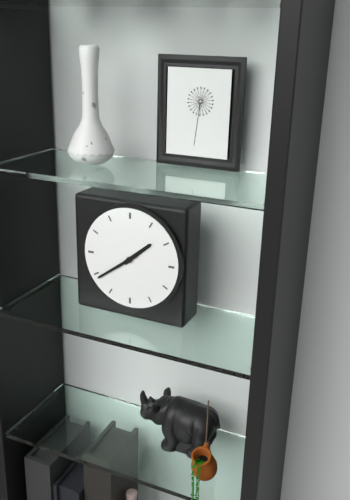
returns 1,39
